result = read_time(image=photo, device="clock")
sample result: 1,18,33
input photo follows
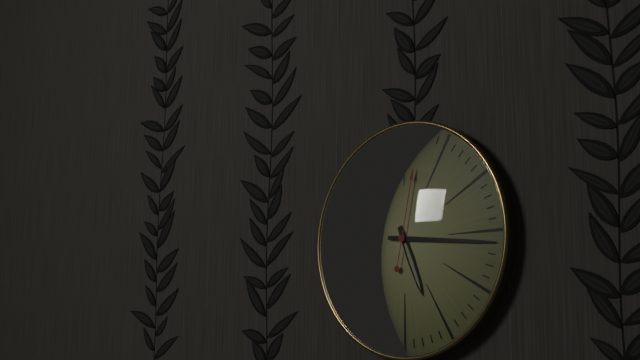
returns 5,16,02
